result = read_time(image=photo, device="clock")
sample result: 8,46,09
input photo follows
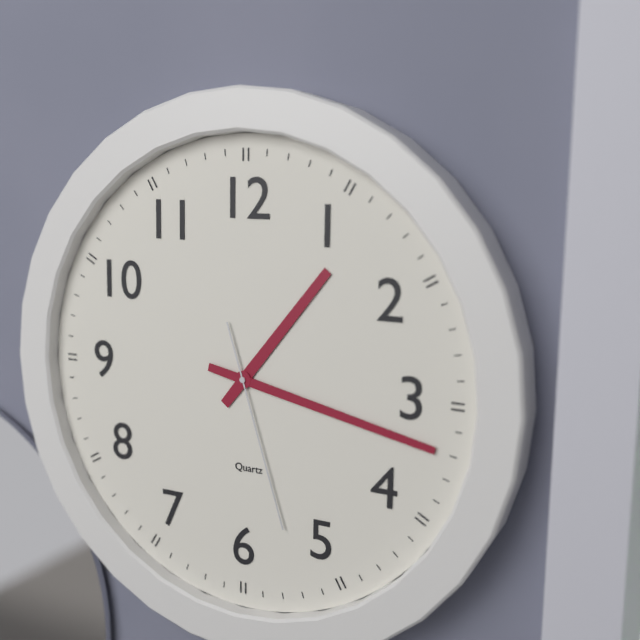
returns 1,17,27
